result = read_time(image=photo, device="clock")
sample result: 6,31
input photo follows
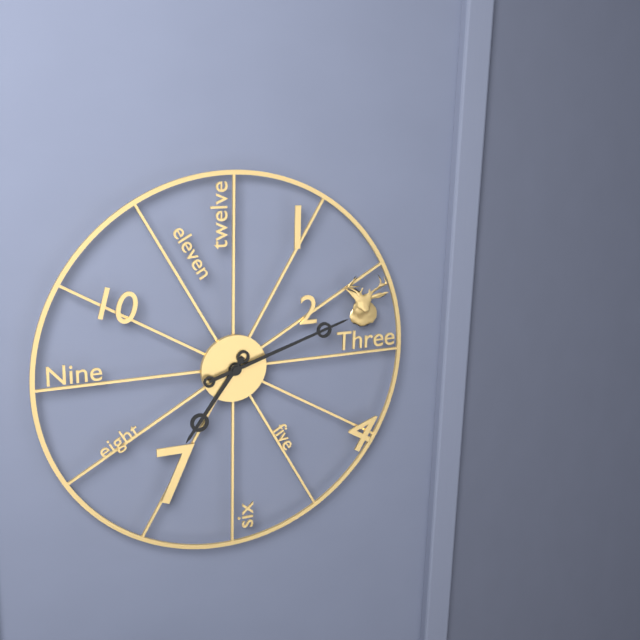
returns 7,12
